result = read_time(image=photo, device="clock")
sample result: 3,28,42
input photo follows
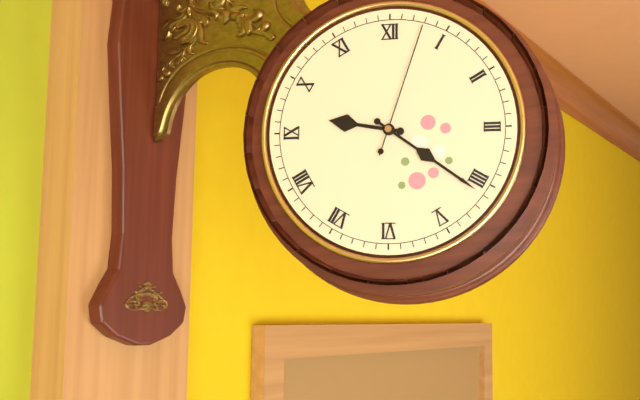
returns 9,21,03
